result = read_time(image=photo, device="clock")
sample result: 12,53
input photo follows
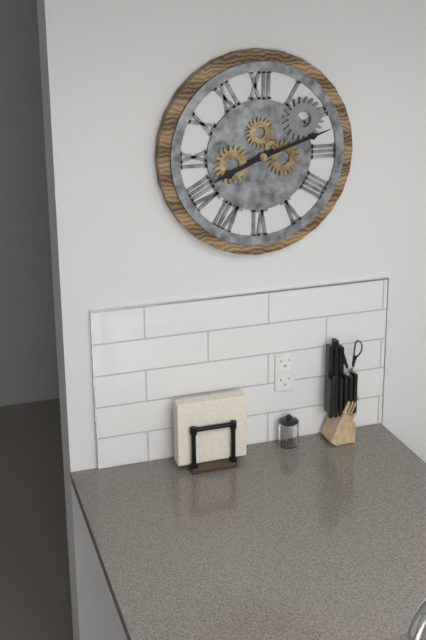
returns 8,12
